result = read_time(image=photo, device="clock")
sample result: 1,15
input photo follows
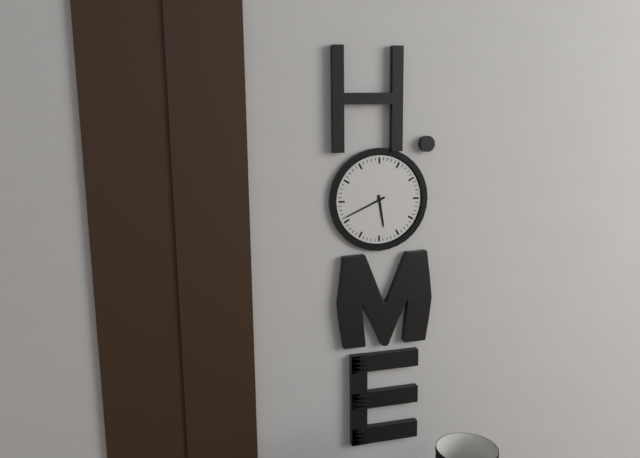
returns 5,41
